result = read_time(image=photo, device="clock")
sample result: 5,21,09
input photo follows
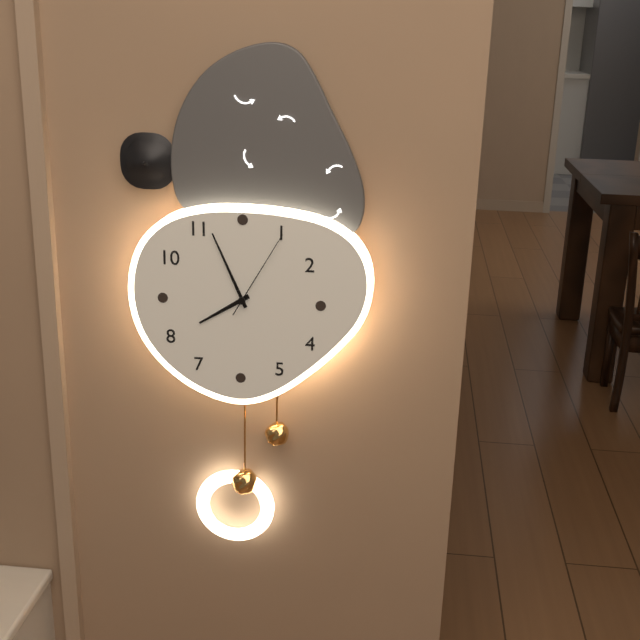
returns 7,56,05
